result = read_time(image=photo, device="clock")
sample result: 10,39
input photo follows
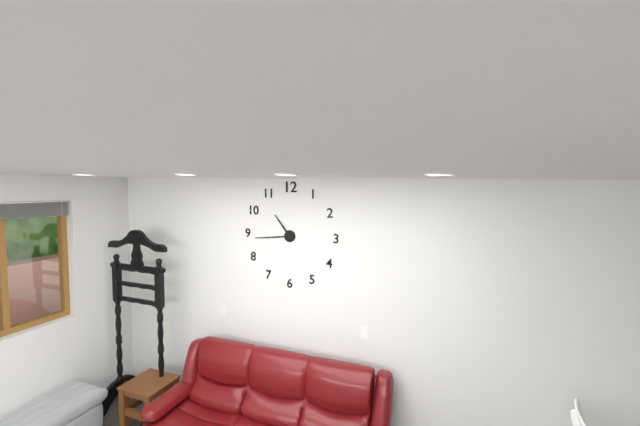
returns 10,44
